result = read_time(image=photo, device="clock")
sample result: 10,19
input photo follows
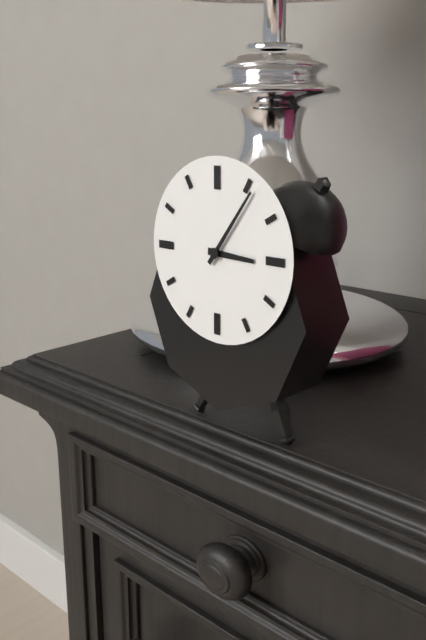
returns 3,06
